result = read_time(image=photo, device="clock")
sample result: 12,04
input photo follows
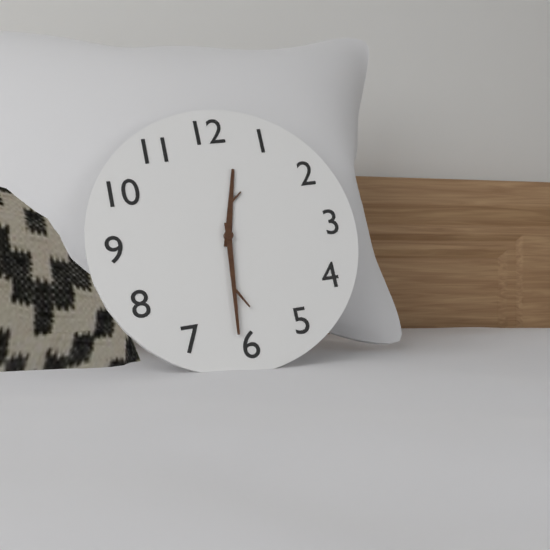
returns 12,31
